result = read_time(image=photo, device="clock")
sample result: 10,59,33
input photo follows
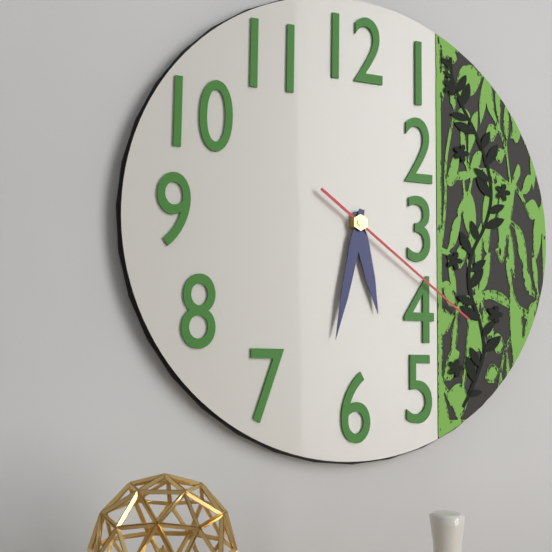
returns 5,32,21
